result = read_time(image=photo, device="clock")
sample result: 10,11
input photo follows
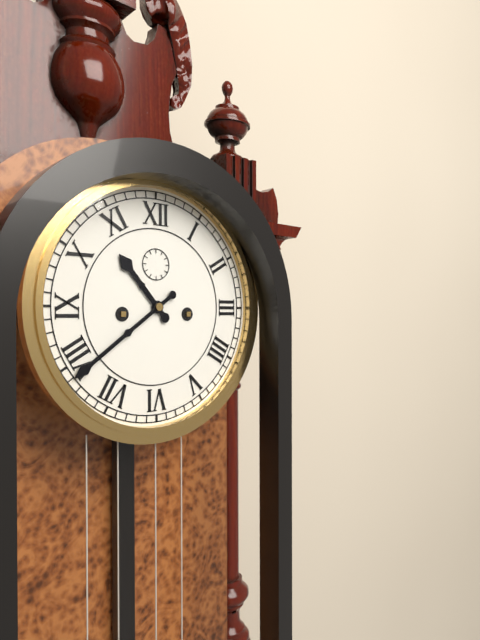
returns 10,39
